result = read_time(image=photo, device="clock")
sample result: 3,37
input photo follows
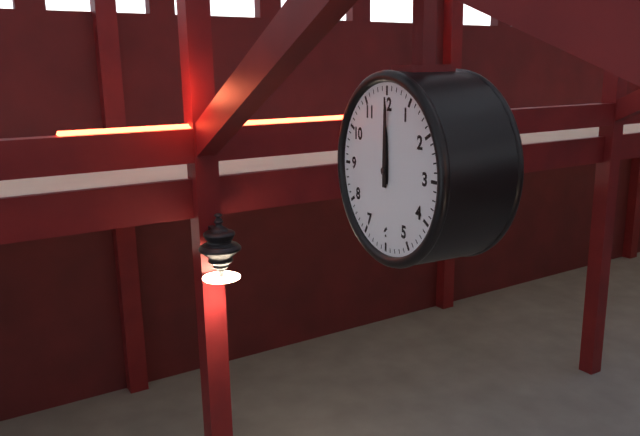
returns 12,00
